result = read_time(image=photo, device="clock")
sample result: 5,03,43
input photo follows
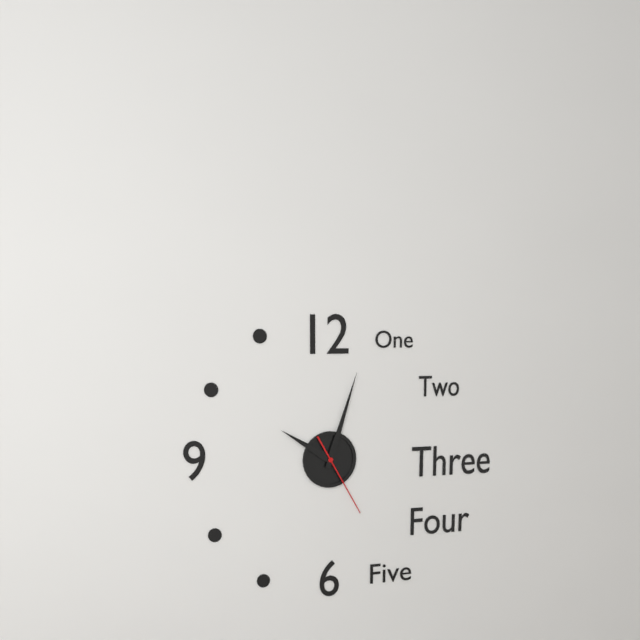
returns 10,03,25
